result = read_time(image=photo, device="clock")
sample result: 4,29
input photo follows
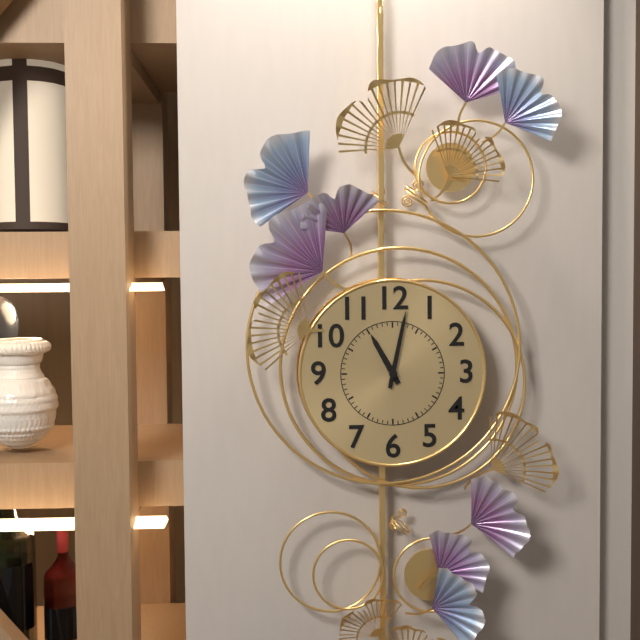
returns 11,02
